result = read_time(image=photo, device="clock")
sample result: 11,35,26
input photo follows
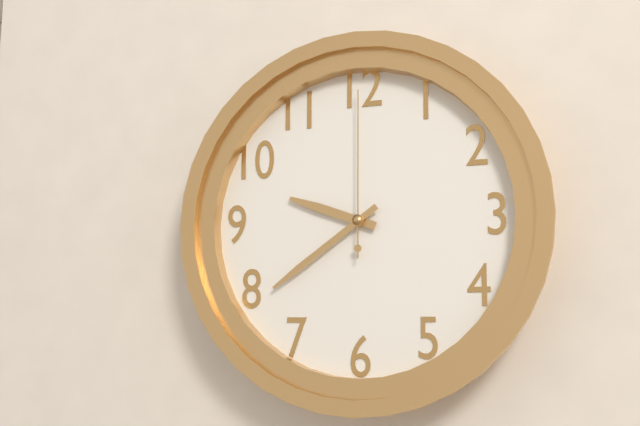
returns 9,39,00
